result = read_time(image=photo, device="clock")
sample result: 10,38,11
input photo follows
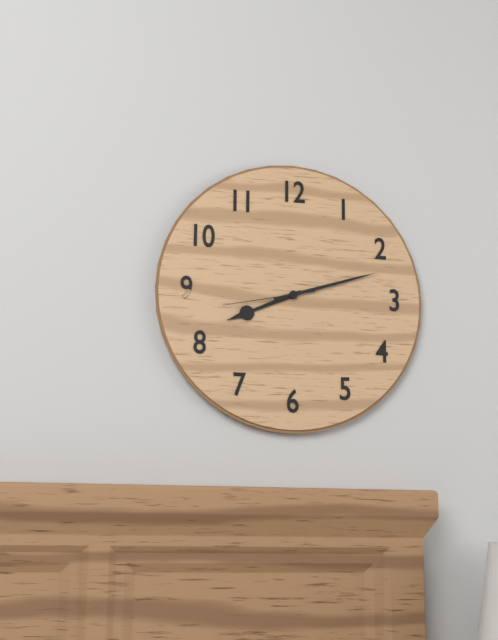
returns 8,12,43
